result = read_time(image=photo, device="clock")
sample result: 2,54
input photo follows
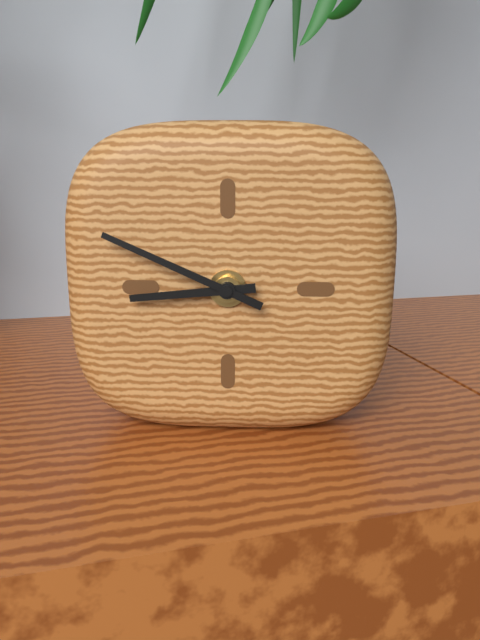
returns 8,49
